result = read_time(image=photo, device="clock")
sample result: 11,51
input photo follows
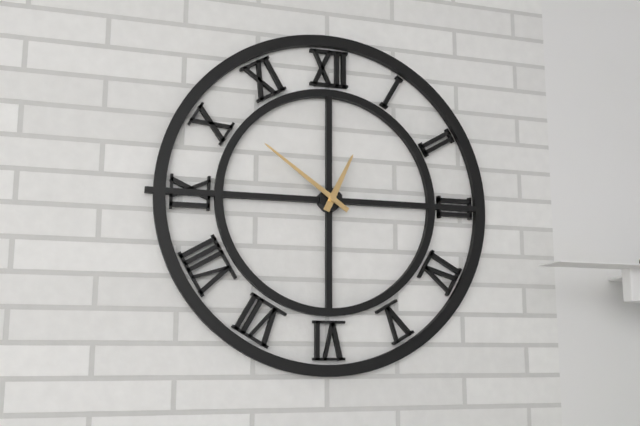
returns 12,51
